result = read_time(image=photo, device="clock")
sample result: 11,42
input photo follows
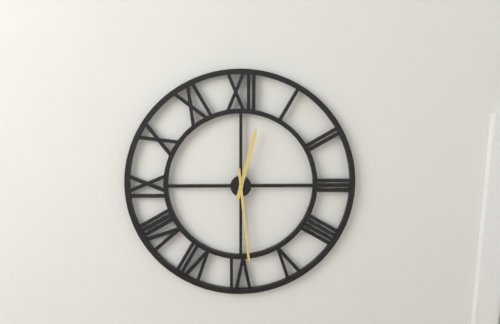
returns 12,29
